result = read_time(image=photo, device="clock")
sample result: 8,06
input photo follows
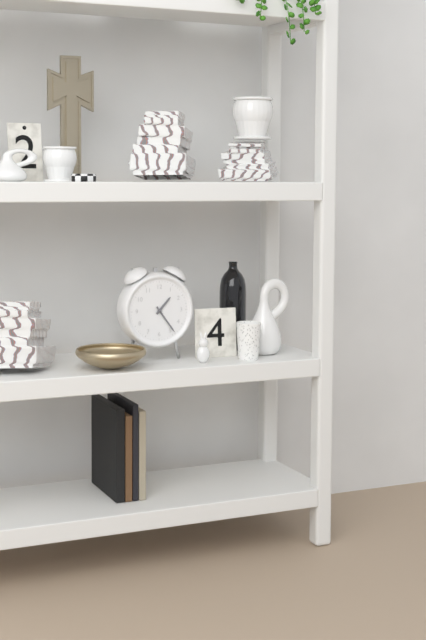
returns 1,24
